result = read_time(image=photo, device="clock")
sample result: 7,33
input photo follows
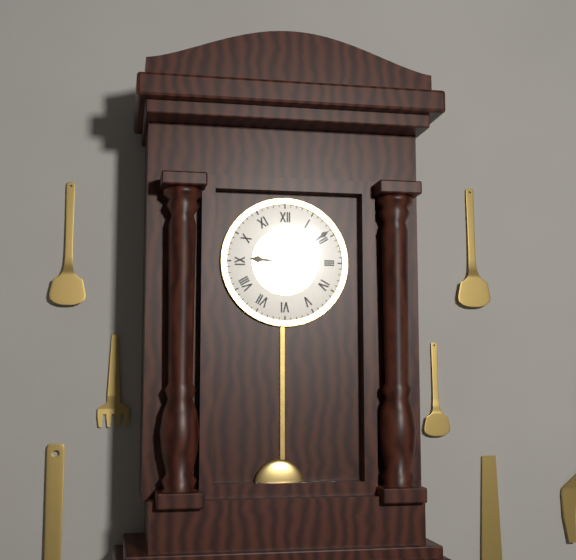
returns 9,09
